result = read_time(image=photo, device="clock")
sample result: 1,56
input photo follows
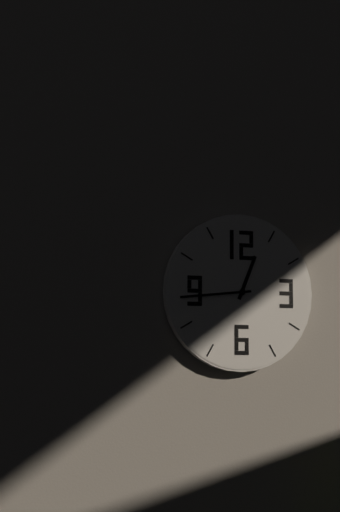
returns 12,44
